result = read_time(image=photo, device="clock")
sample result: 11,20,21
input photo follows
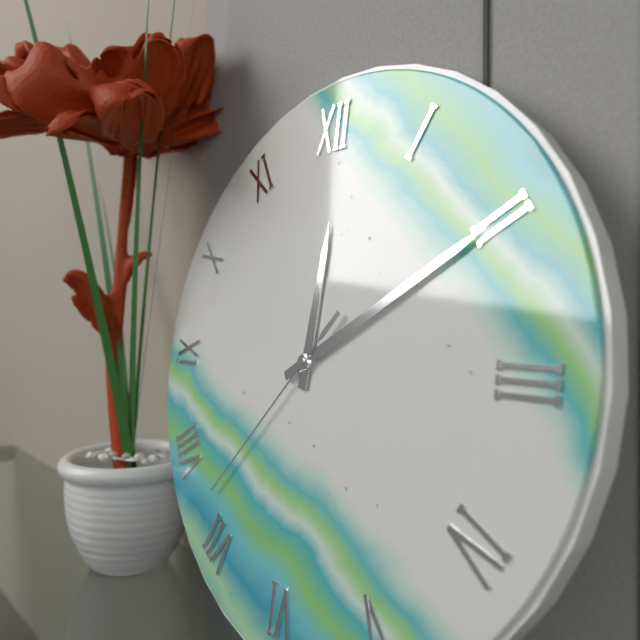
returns 12,10,37
